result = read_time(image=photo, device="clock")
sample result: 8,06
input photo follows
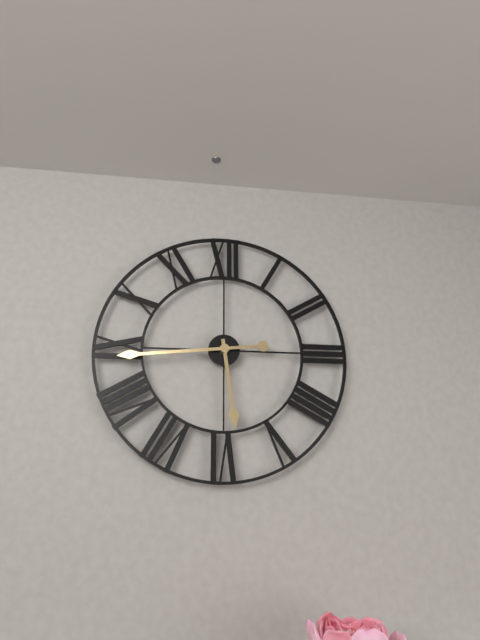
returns 5,44
